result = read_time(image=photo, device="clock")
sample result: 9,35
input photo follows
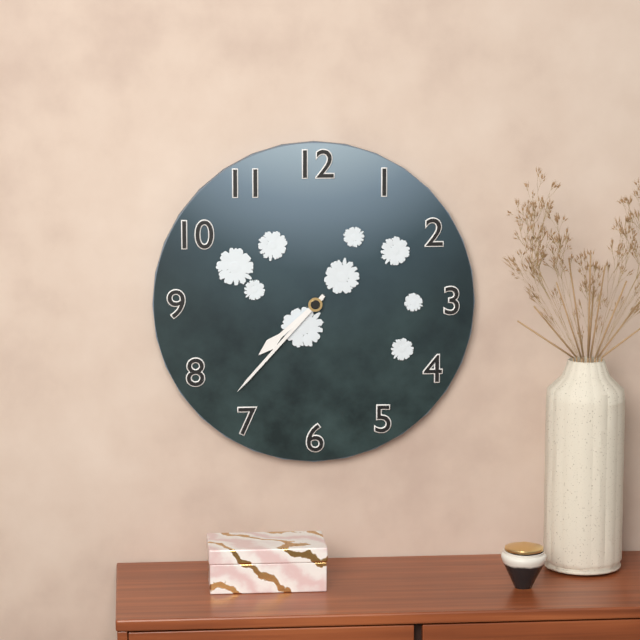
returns 7,37
